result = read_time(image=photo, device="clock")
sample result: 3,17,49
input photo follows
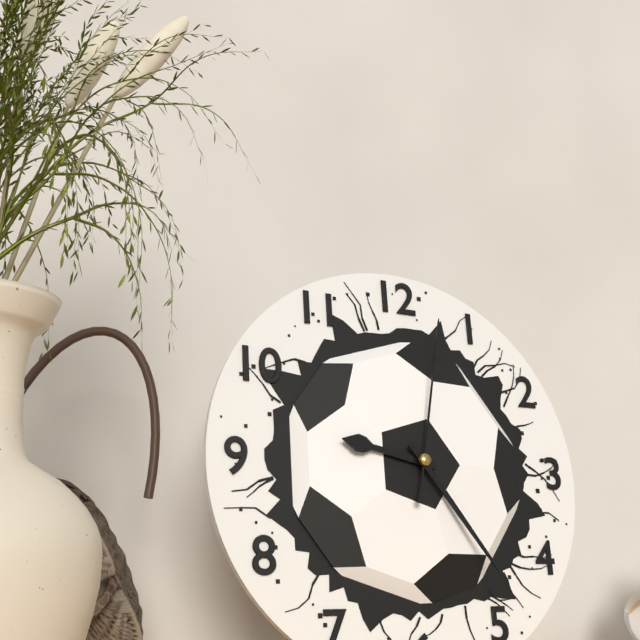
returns 9,24,02
